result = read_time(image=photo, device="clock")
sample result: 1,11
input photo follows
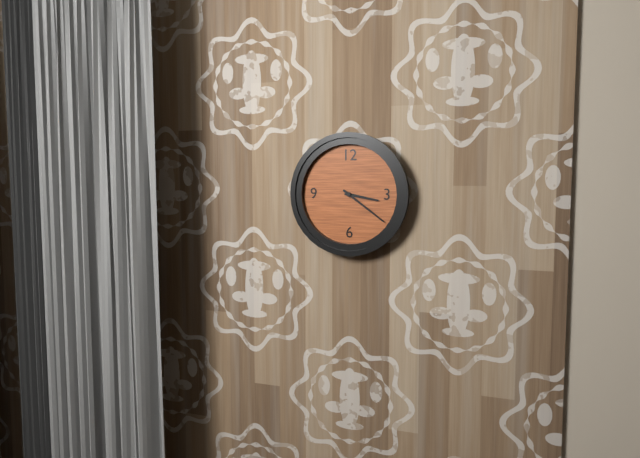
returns 3,21
